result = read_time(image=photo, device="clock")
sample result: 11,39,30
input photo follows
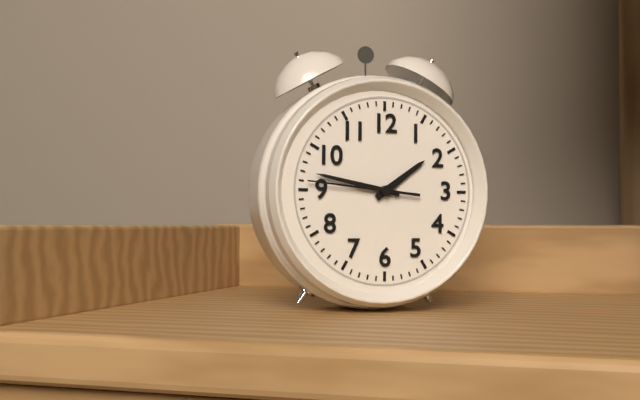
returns 1,47,46
